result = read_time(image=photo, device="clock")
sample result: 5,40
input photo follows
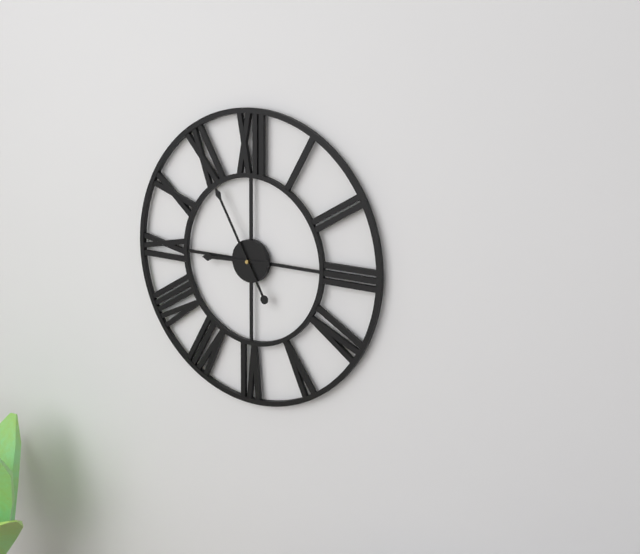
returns 8,55
